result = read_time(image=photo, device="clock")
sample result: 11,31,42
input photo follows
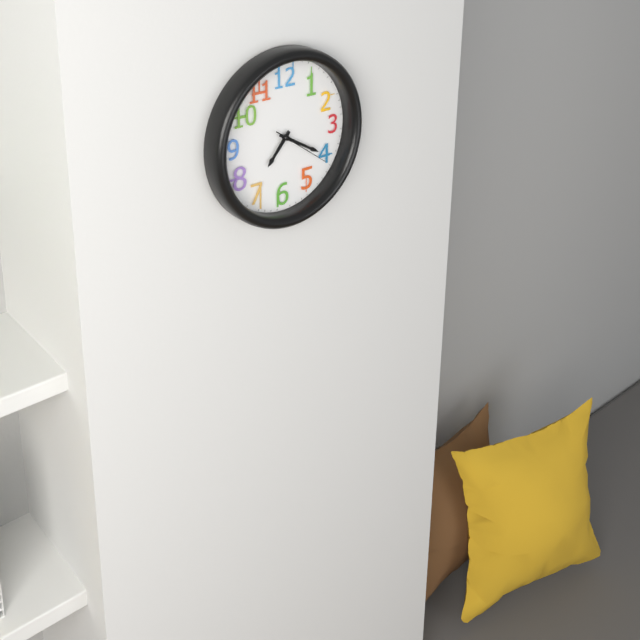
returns 7,20,21
